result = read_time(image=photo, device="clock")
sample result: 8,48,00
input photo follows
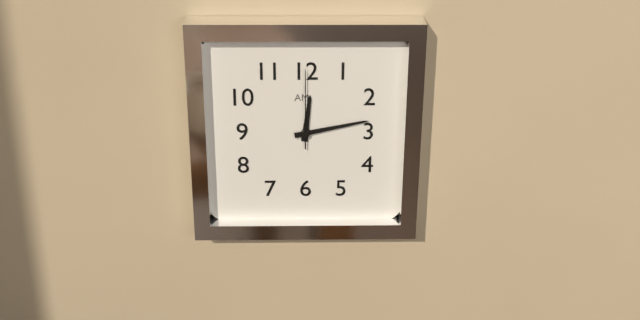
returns 12,13,00
